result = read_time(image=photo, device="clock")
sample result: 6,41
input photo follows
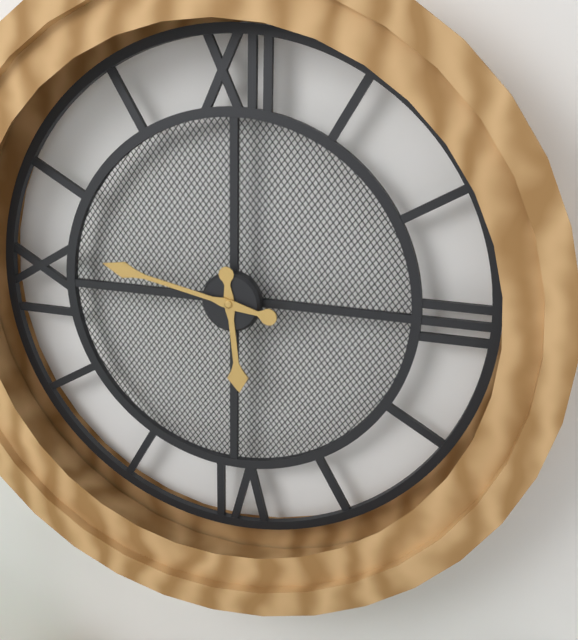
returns 5,47
